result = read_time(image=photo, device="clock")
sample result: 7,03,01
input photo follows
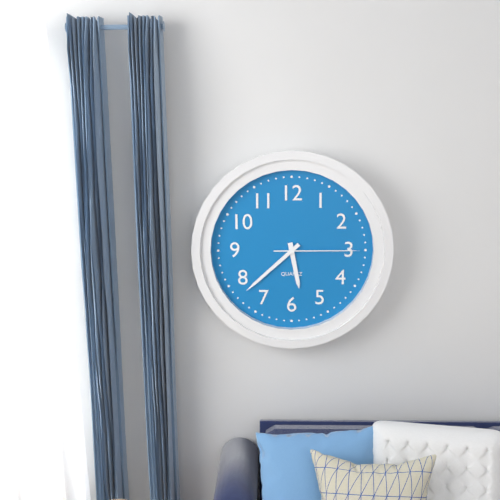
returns 5,38,15
